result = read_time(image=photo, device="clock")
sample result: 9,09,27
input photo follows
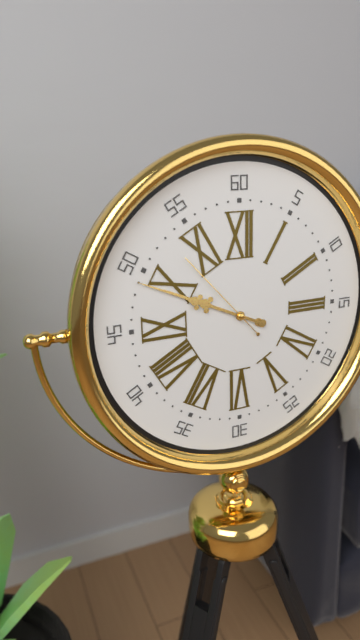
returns 9,49,53
